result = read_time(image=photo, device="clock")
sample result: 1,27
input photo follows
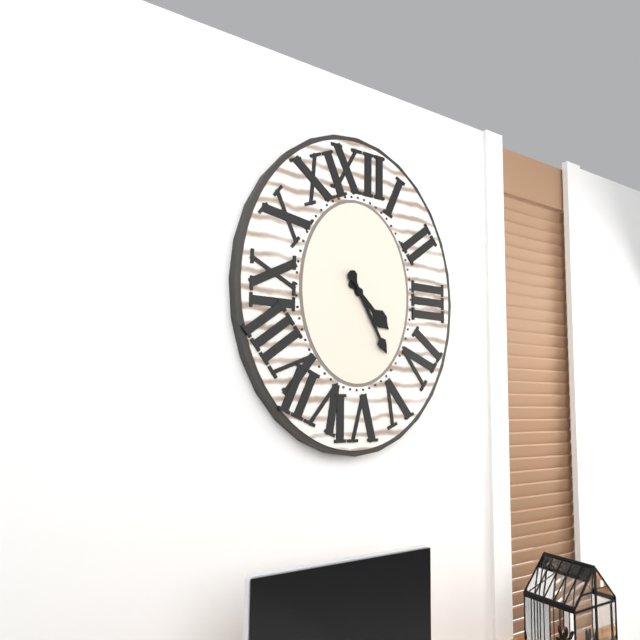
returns 4,25
